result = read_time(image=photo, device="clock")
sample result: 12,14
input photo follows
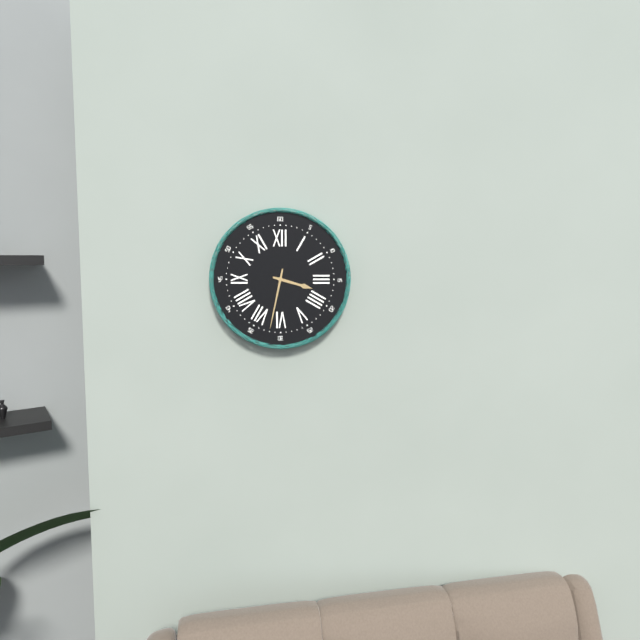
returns 3,32
